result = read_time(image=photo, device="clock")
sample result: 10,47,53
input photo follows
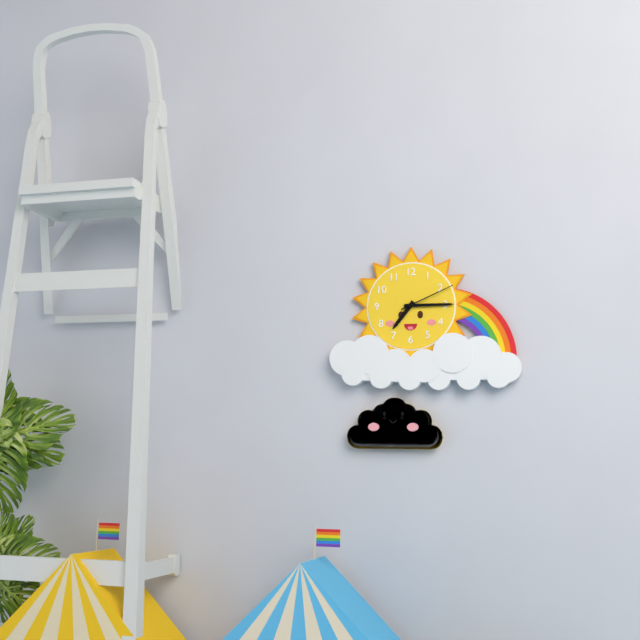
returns 7,15,11
